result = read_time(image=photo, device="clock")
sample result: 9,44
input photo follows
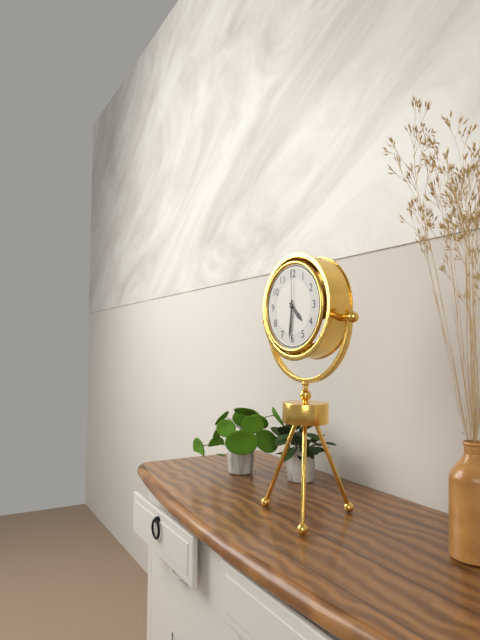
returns 4,31
